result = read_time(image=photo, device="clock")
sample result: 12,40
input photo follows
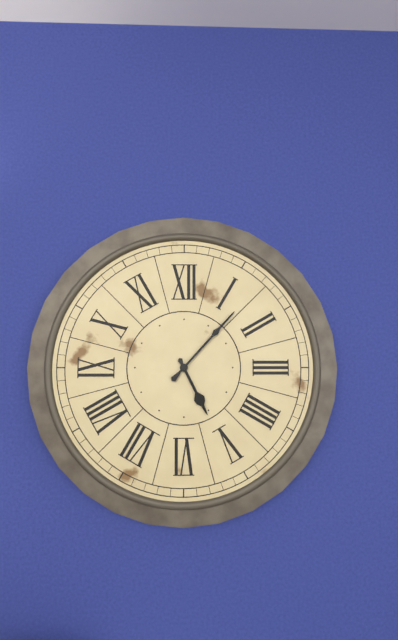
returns 5,07
